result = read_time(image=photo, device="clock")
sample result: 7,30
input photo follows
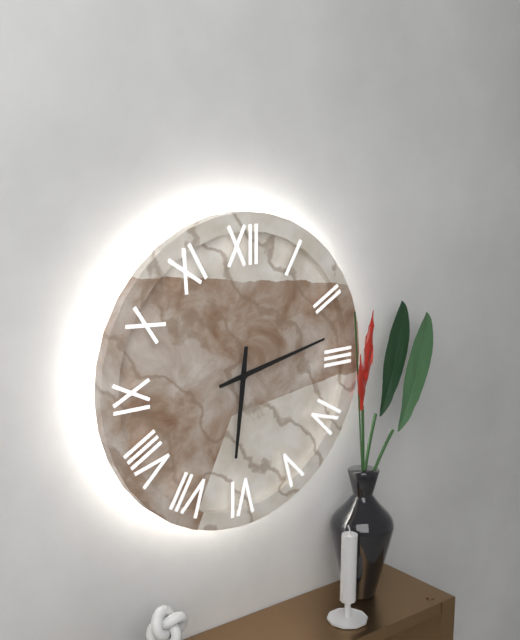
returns 6,13
